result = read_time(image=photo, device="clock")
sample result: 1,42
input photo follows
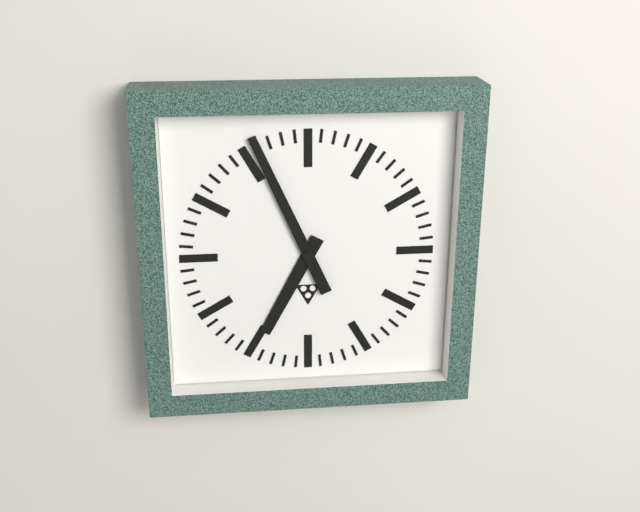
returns 6,56
